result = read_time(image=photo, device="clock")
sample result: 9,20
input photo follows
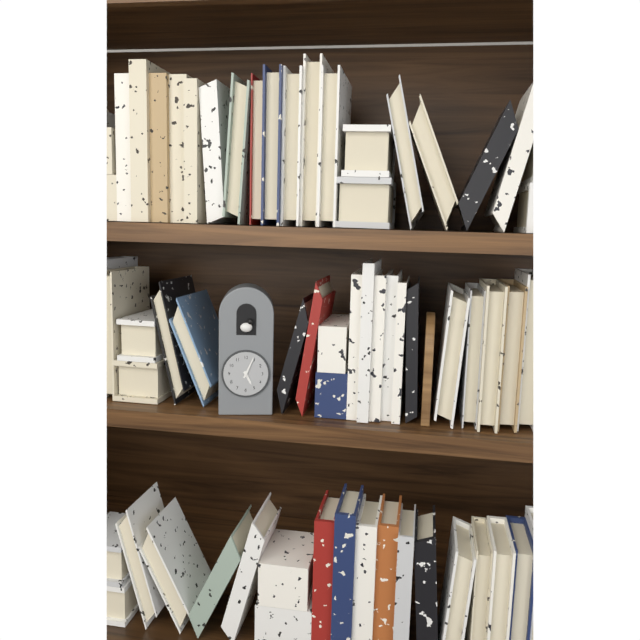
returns 5,04
